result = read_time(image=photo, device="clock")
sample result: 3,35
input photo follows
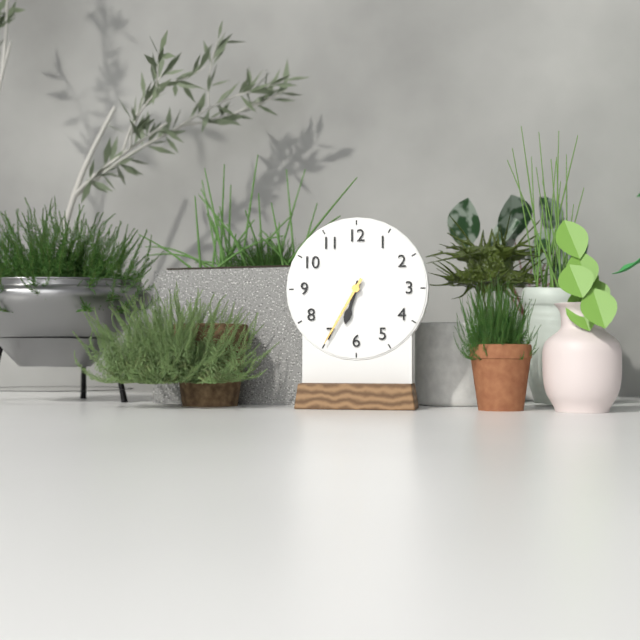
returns 6,35
